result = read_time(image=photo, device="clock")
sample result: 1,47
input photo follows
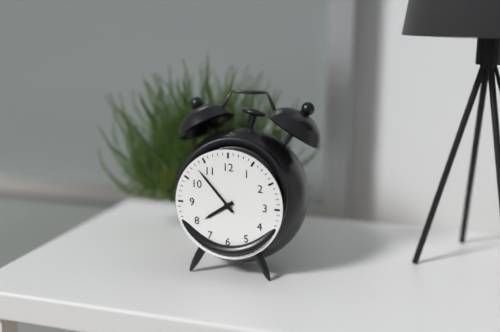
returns 7,53
